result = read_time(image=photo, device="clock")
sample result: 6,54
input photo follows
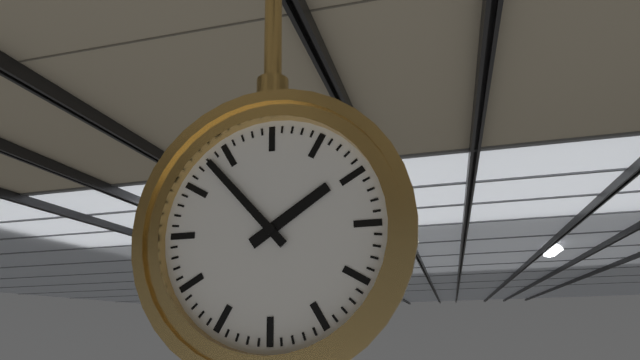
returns 1,53
